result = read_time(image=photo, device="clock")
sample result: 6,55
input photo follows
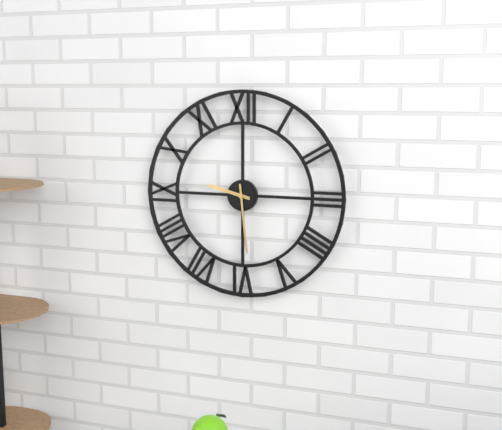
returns 9,29
